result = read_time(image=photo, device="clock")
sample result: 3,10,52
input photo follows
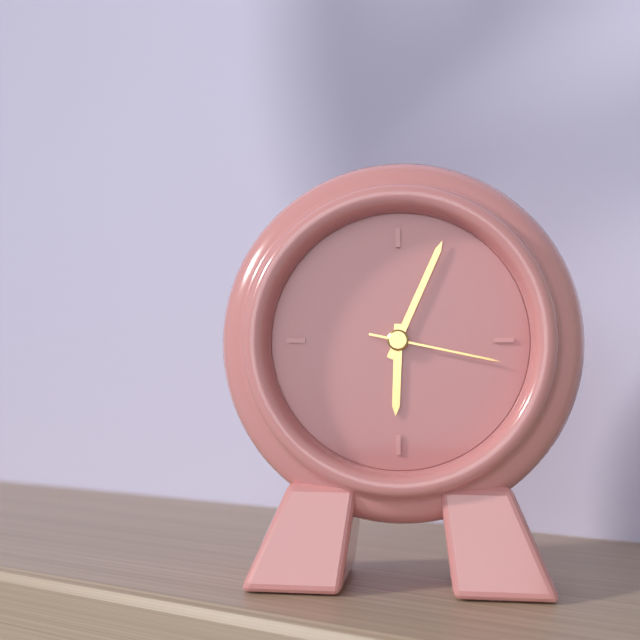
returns 6,04,17
